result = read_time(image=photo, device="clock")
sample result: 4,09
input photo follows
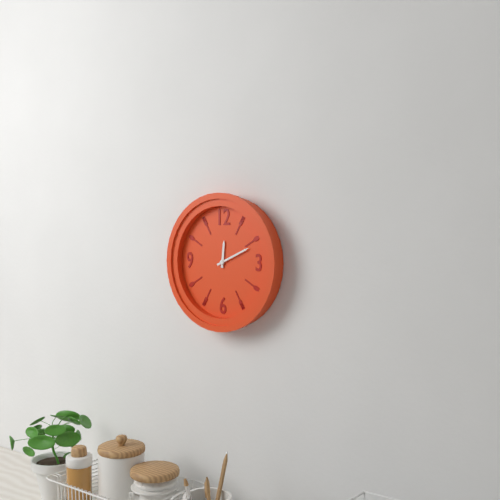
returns 12,11
